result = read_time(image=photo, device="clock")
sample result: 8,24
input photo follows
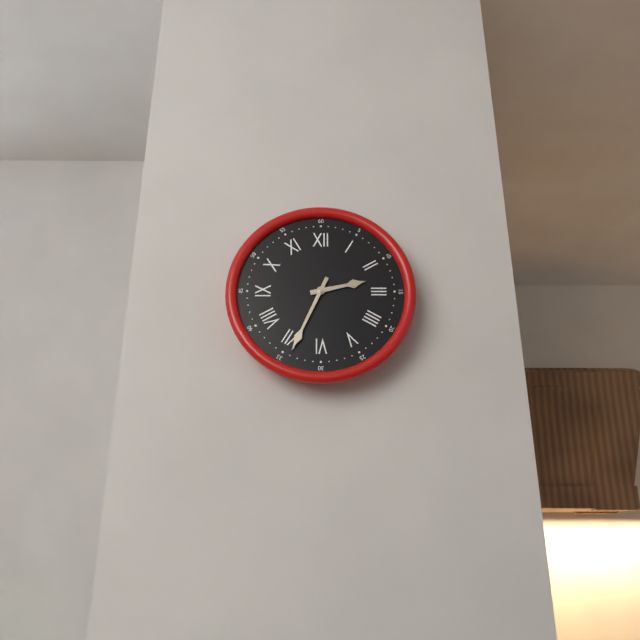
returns 2,34
